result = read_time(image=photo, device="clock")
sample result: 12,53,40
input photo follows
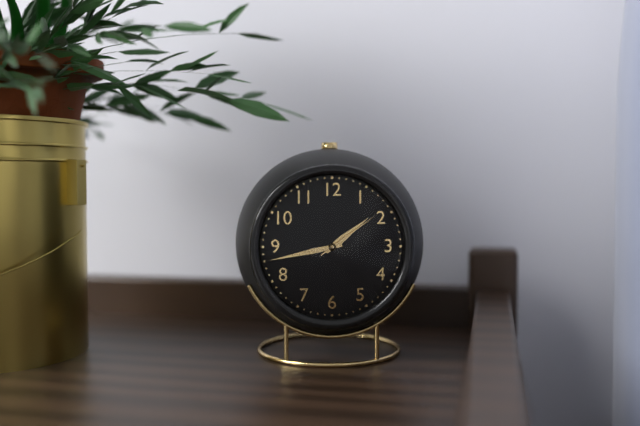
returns 1,43,09
